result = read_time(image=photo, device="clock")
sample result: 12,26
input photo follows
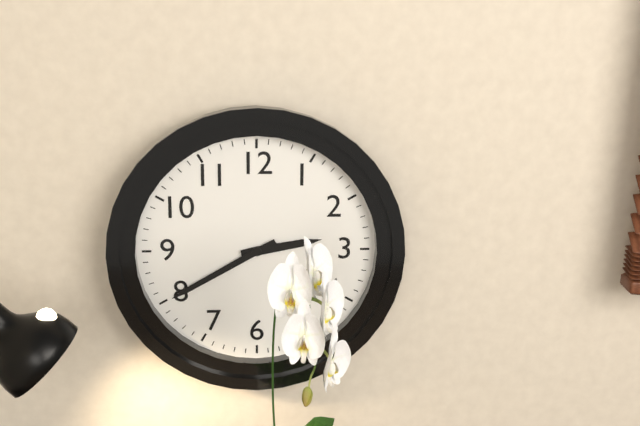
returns 2,40
